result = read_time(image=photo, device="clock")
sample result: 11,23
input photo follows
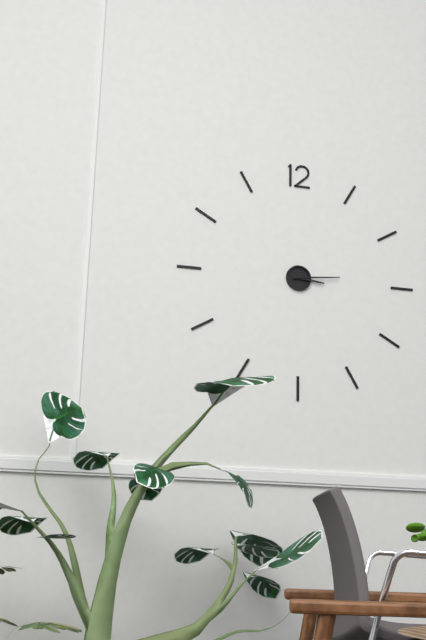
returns 3,14
